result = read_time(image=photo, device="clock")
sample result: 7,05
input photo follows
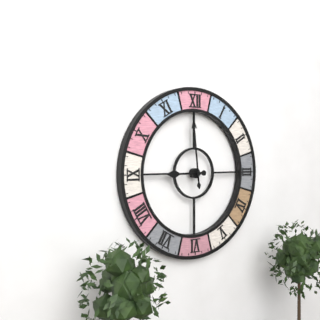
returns 8,59
